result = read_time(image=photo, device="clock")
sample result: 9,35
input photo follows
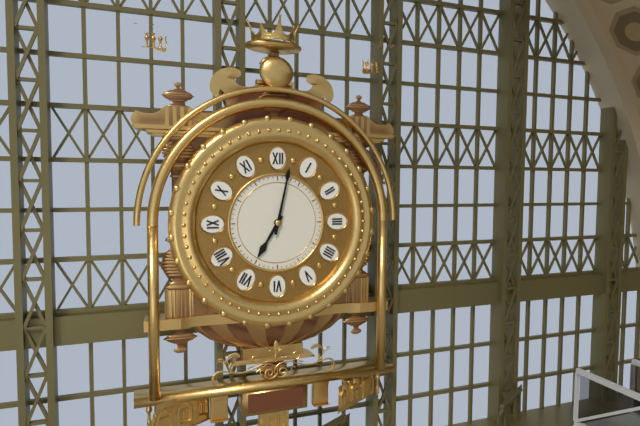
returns 7,02
